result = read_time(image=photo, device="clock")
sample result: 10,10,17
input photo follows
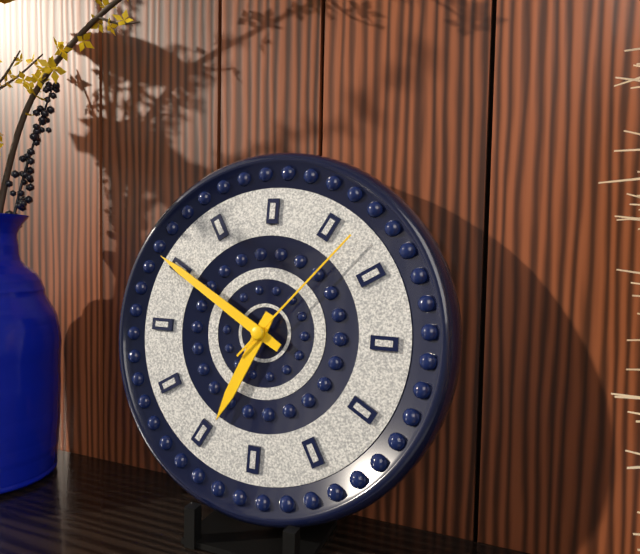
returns 6,50,07
